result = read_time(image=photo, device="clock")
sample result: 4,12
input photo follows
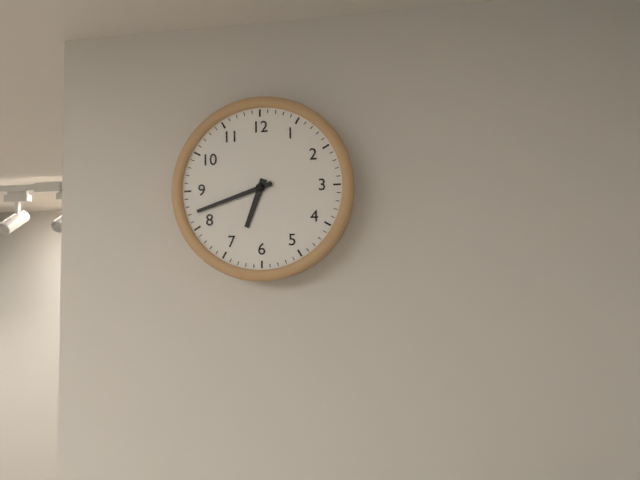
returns 6,42
